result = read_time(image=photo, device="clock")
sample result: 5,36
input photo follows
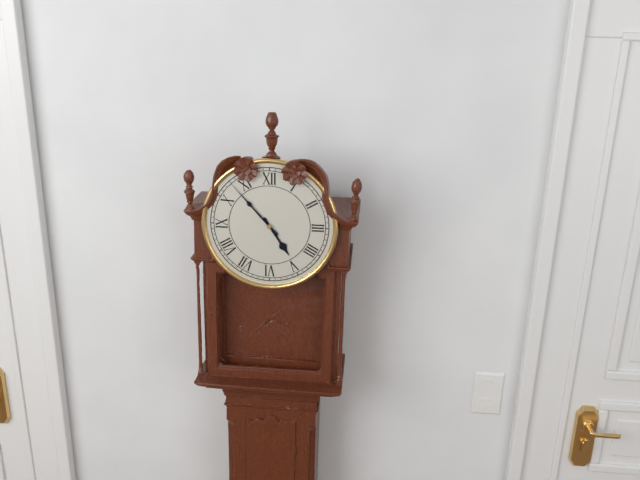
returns 4,53
